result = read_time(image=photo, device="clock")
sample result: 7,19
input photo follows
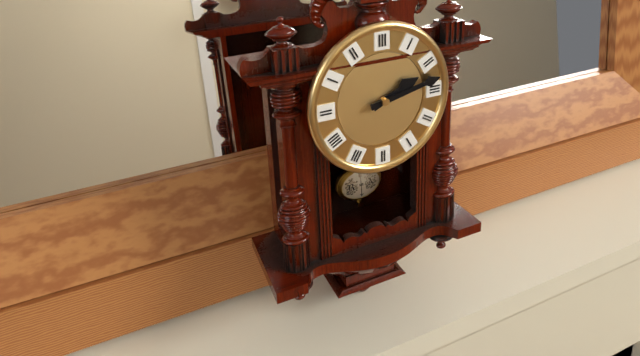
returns 2,13
